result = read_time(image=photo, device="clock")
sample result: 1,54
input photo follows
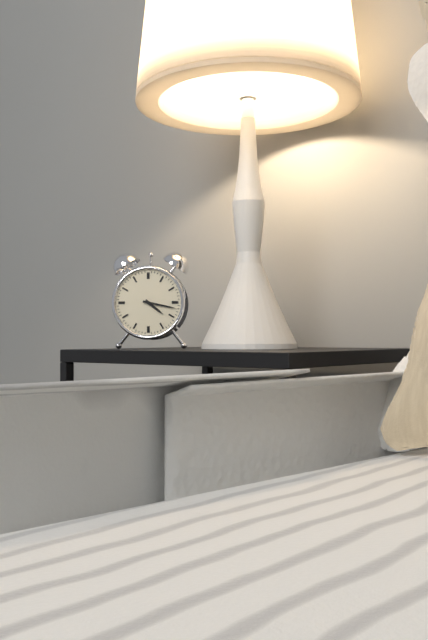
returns 4,17
